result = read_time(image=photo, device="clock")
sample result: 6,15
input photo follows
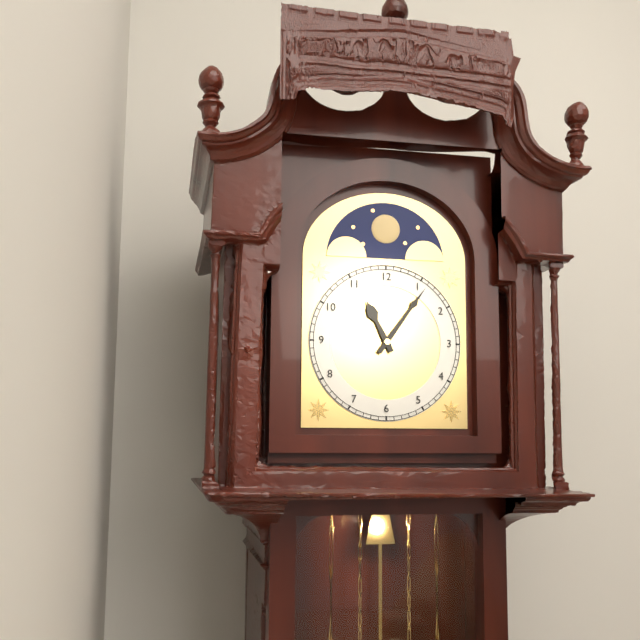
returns 11,06
